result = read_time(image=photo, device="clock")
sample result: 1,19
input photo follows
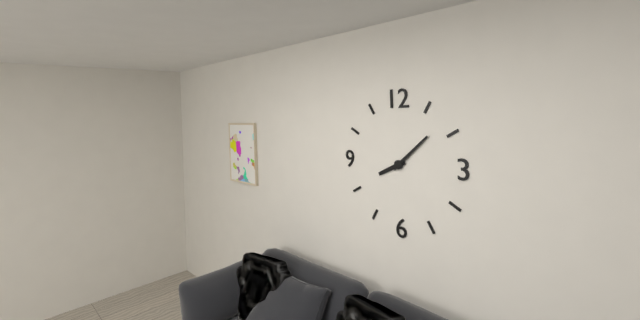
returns 8,08
